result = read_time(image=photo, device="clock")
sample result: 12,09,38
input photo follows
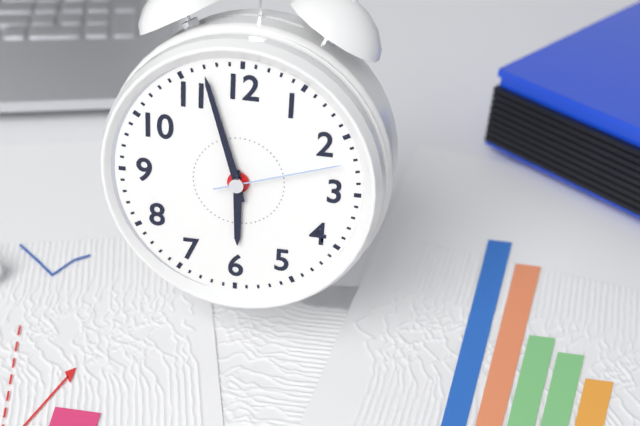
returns 5,57,12
